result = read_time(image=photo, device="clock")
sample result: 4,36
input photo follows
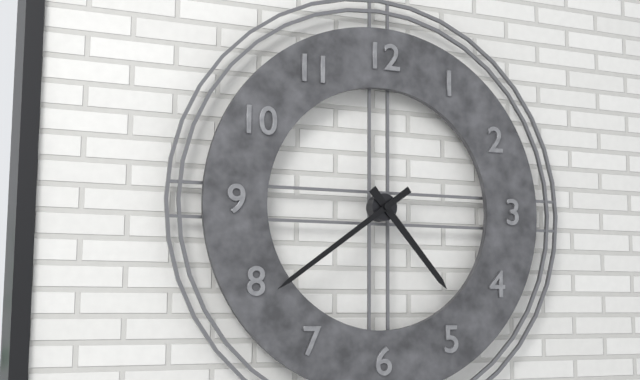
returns 4,39
